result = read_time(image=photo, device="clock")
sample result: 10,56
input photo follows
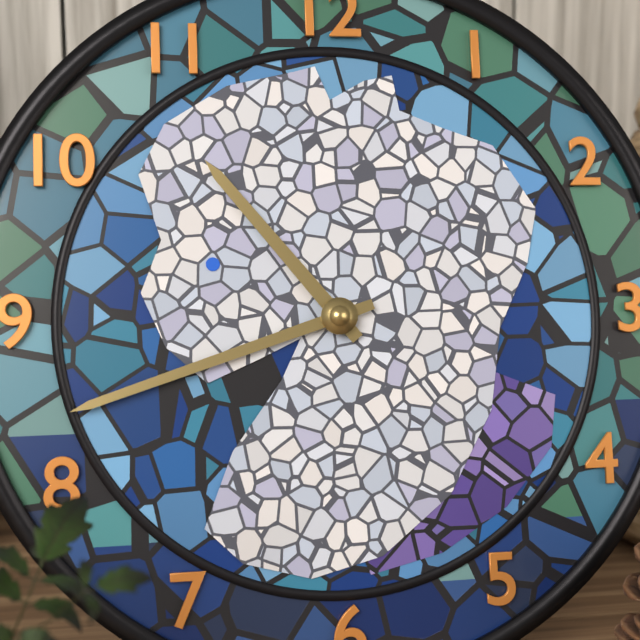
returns 10,42
